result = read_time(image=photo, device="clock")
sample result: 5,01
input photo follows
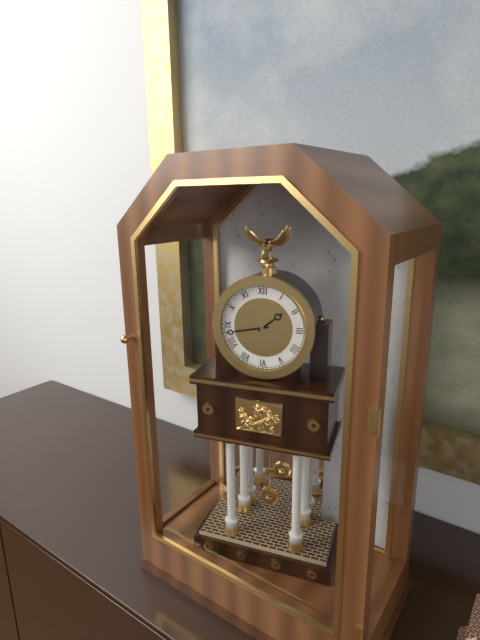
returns 1,43
